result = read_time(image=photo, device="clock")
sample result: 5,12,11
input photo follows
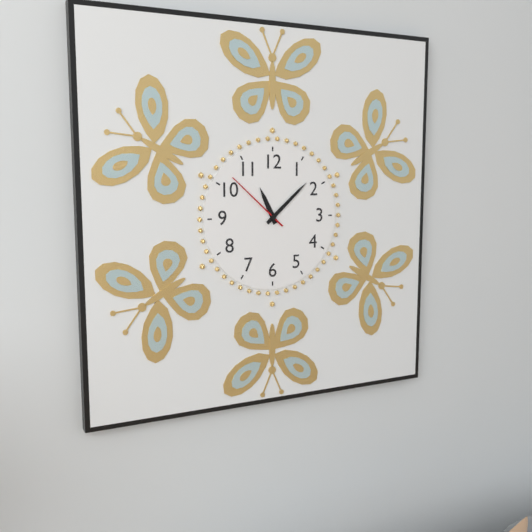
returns 11,08,52
